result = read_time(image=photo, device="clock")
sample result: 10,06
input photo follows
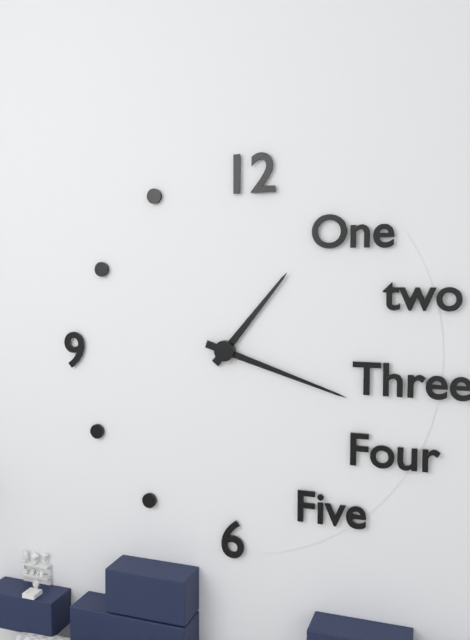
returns 1,18
